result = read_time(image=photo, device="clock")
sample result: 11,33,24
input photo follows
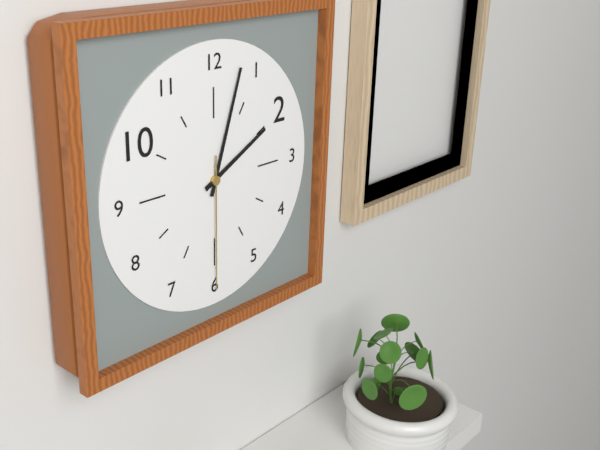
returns 2,03,30
